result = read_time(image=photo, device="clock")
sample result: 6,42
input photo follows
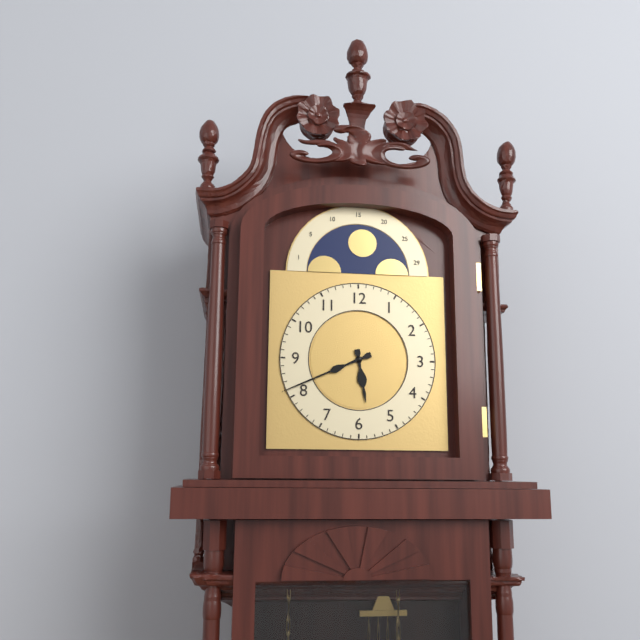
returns 5,41
